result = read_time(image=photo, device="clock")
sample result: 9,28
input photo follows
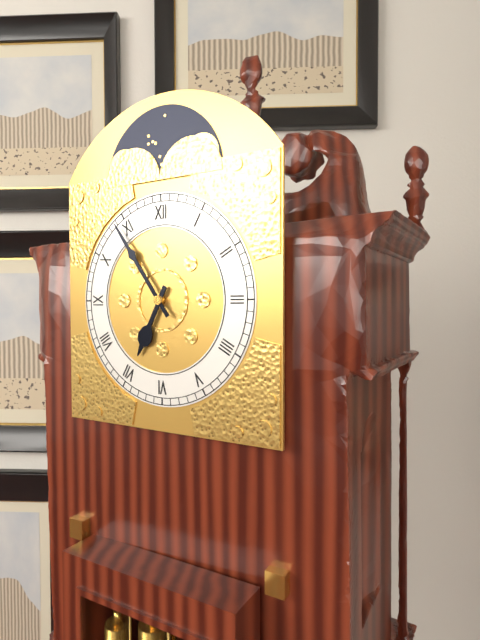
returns 6,54
